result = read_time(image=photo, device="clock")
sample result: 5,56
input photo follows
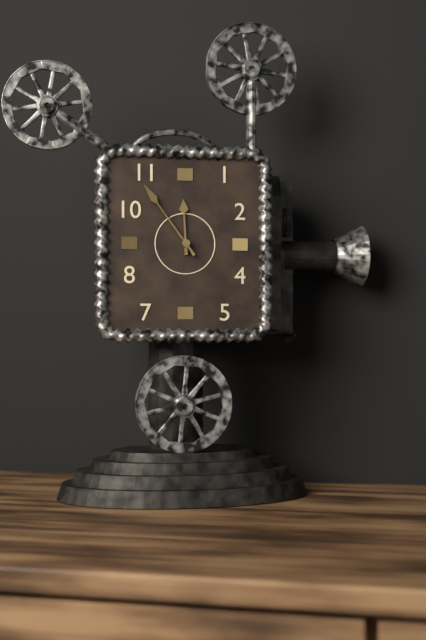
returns 11,54
